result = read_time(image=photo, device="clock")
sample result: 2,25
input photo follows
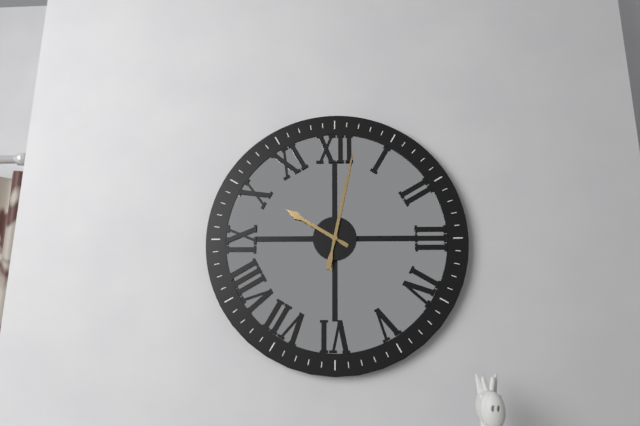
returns 10,02
